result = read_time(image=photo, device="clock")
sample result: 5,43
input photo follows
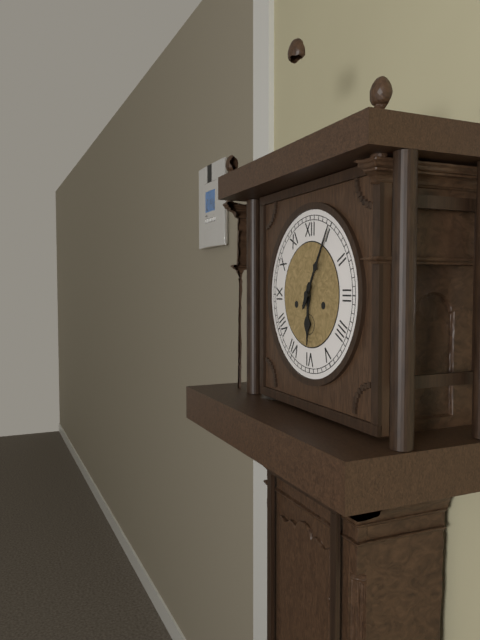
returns 6,05
